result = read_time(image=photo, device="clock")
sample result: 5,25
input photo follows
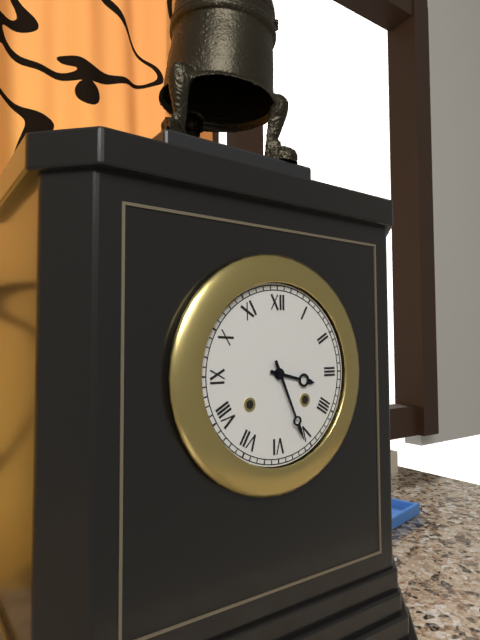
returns 3,26
